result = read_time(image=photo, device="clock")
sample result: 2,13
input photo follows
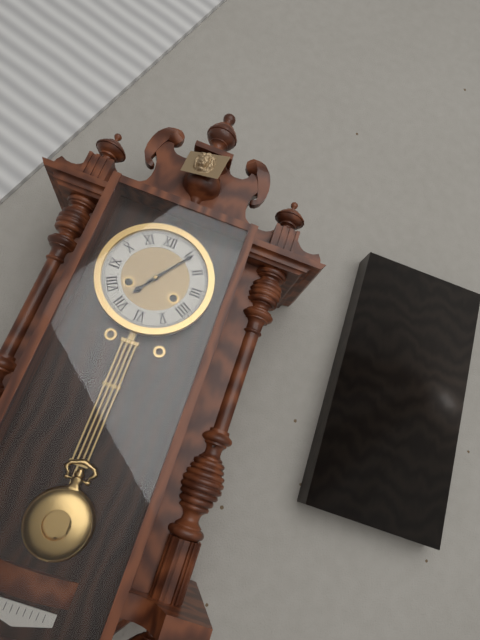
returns 7,06
